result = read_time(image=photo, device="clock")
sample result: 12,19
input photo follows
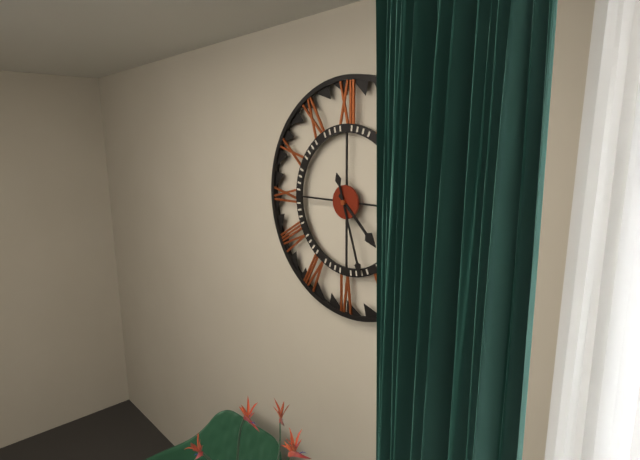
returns 4,27
